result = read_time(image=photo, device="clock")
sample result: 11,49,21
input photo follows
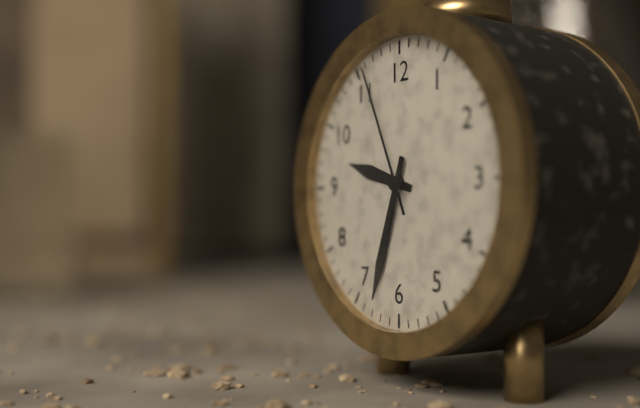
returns 9,33,56
